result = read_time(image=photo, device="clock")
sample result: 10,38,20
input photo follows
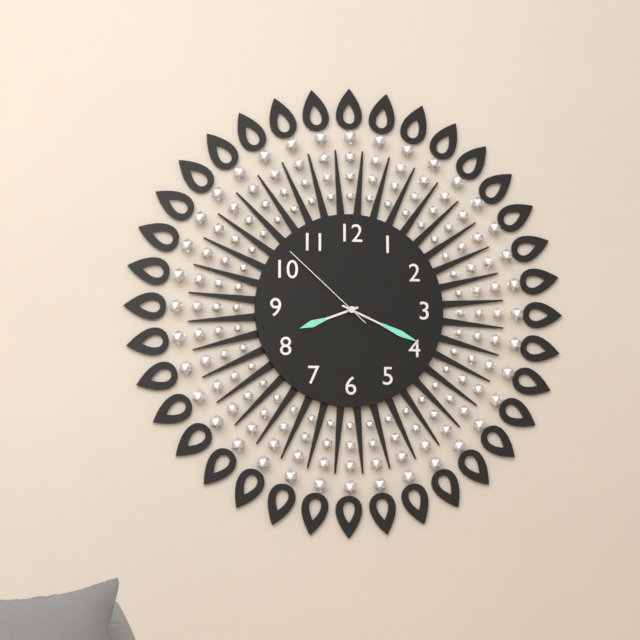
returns 8,19,52
